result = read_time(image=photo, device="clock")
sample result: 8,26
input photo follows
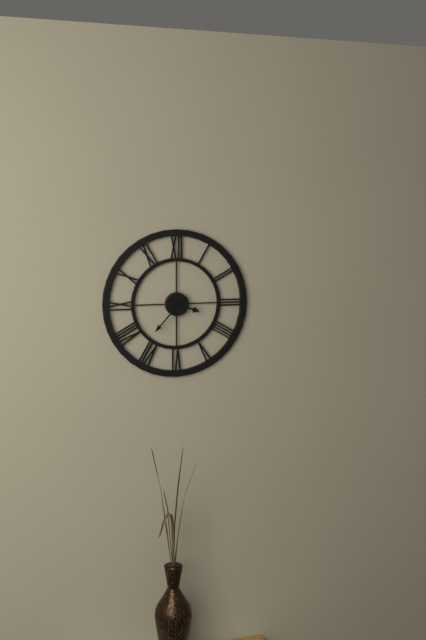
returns 3,37
